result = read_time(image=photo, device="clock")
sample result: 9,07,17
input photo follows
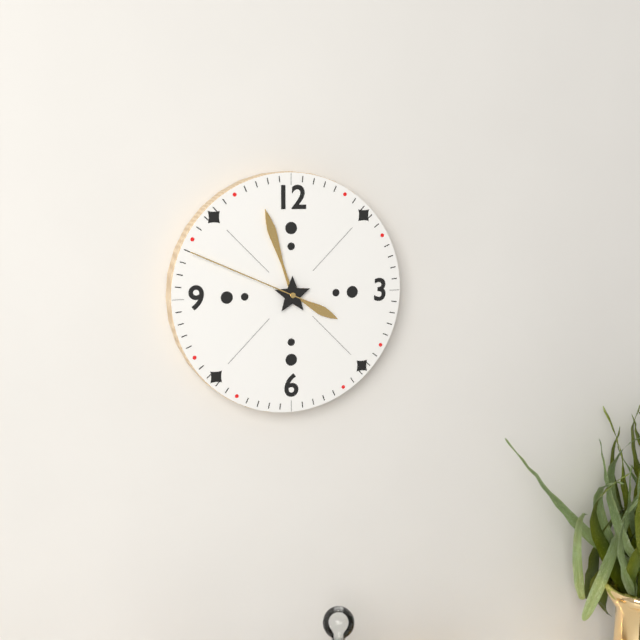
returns 3,57,49
